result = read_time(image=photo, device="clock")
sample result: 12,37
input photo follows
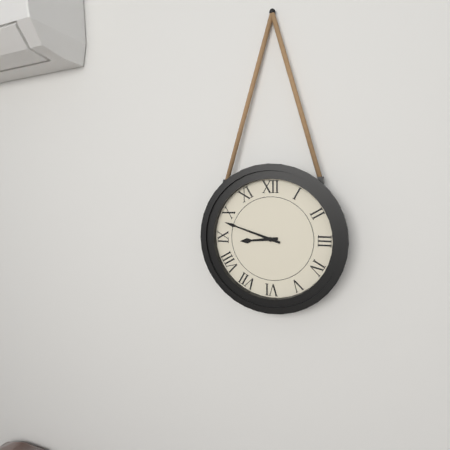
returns 8,48
